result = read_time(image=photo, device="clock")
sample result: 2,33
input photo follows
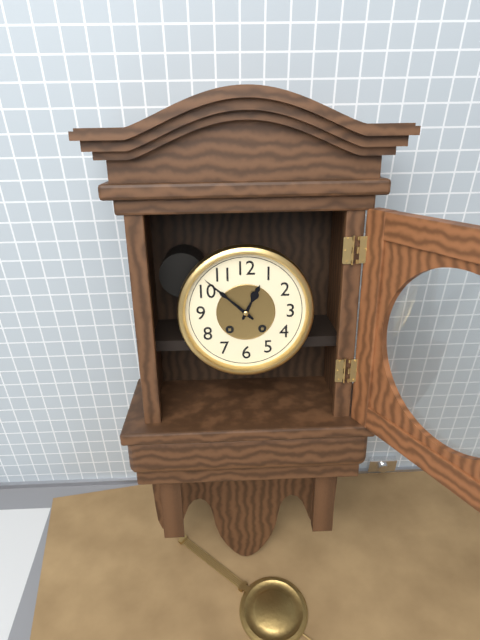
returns 12,52
